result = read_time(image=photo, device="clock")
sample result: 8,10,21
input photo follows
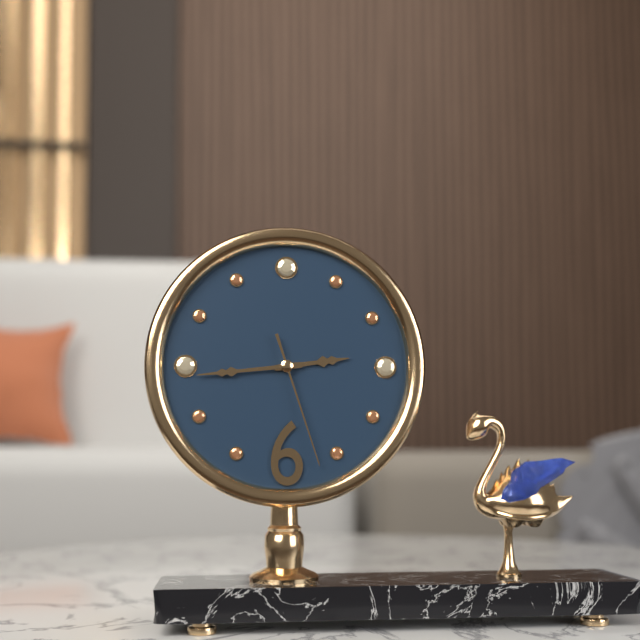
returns 2,44,27
